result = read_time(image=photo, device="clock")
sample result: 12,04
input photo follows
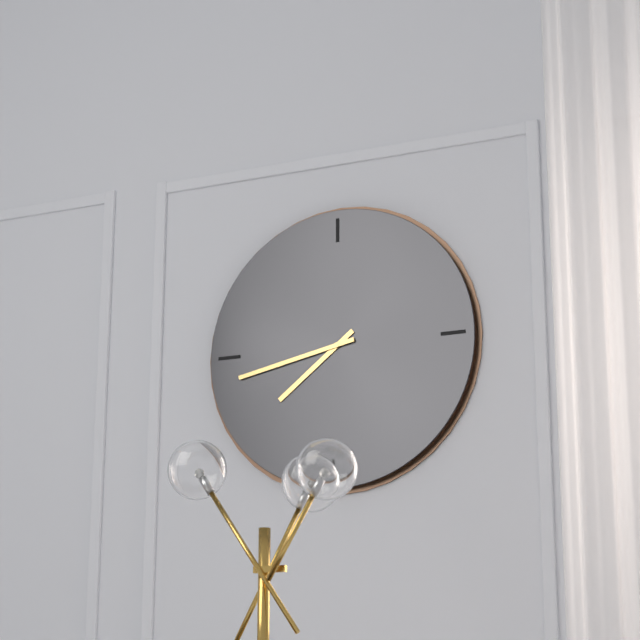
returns 7,43
